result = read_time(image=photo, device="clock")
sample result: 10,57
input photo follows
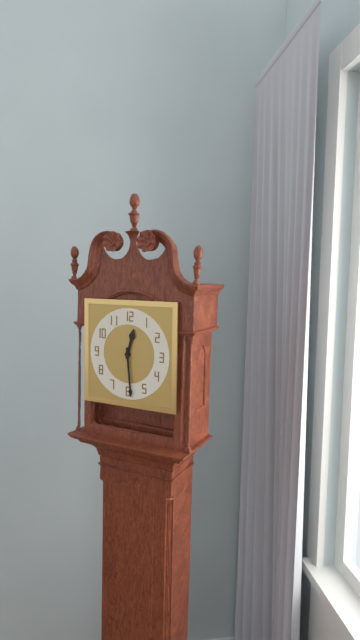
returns 12,29
